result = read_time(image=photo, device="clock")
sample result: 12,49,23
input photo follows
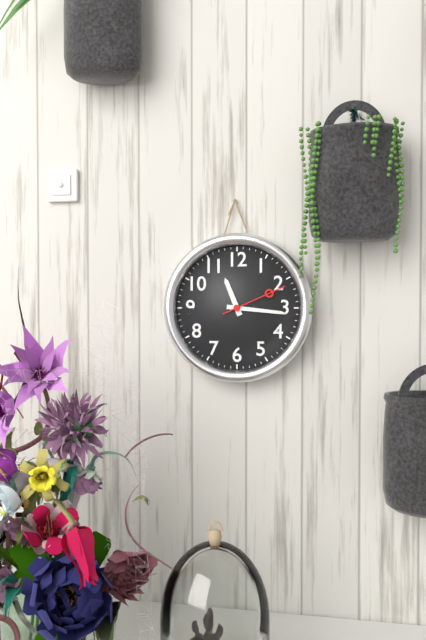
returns 11,16,11
